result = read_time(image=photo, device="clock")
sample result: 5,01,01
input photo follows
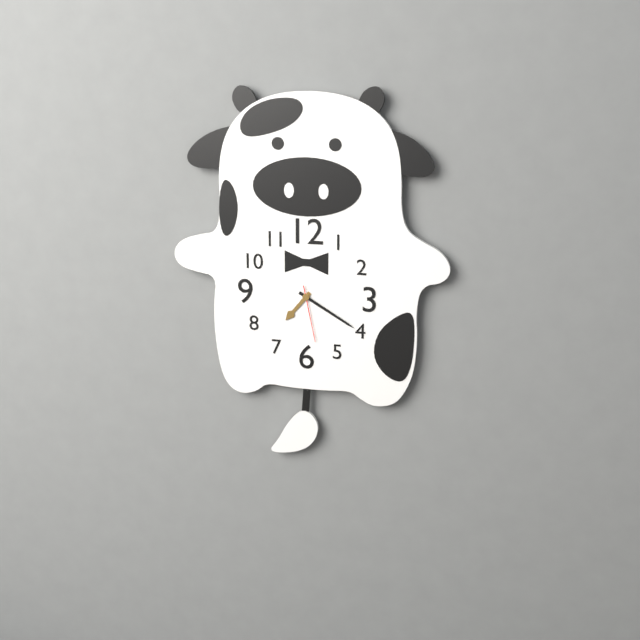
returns 7,20,28
